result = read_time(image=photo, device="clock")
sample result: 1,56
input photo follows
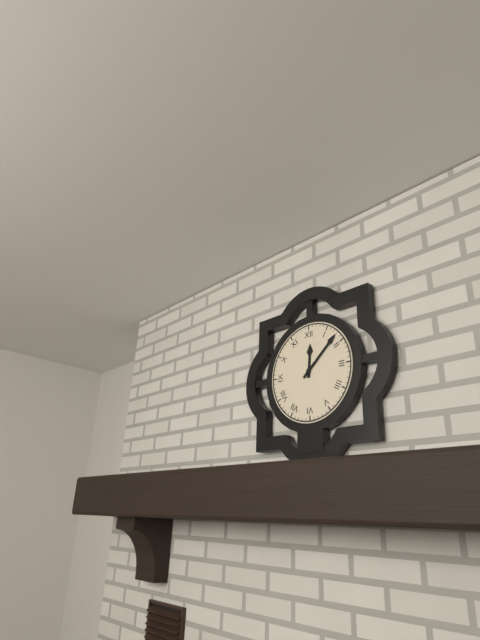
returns 12,08
